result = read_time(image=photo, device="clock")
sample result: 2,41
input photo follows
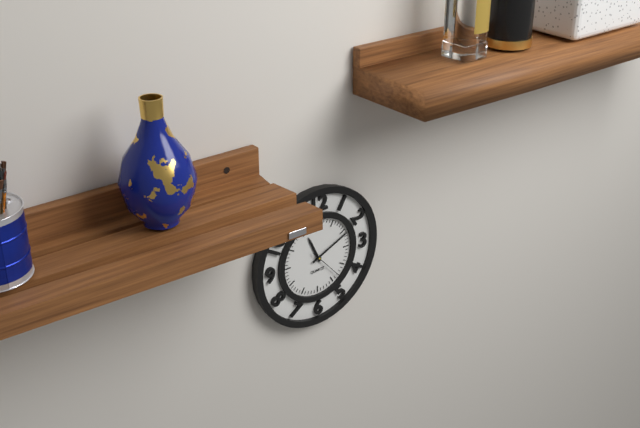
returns 11,11
